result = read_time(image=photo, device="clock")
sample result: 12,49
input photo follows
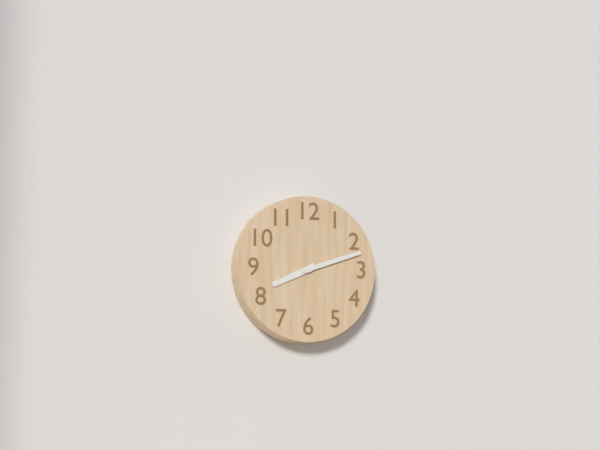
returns 8,12
